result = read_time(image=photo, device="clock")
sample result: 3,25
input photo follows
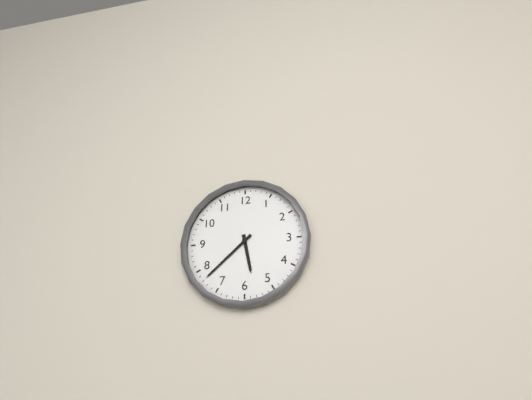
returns 5,38
